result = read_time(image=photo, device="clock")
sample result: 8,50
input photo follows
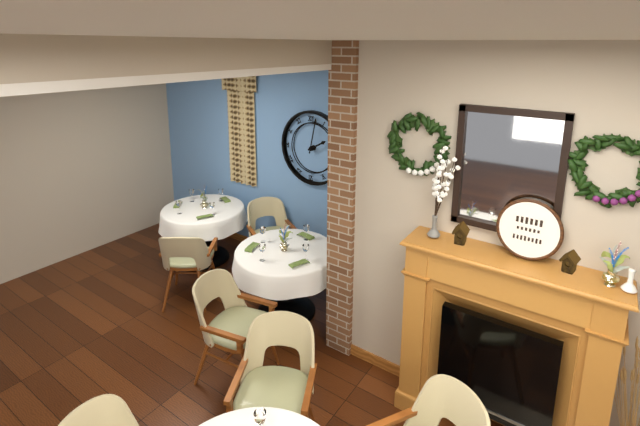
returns 2,02
